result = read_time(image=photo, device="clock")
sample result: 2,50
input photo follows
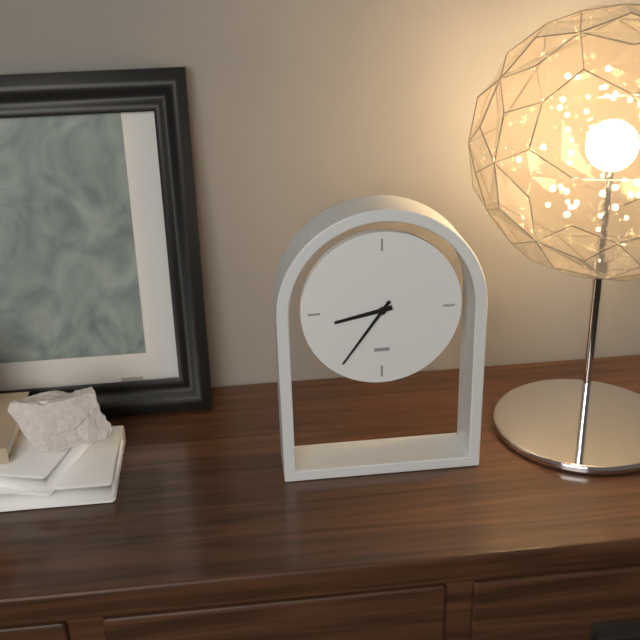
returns 8,36
